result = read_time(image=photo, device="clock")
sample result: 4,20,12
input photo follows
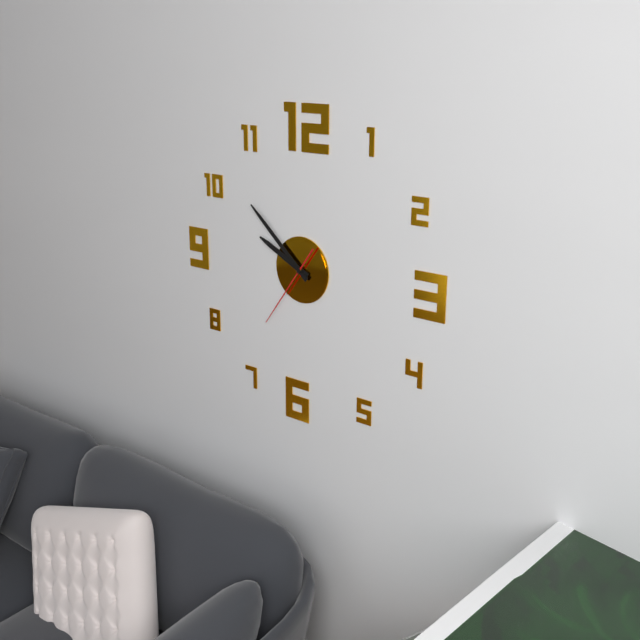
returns 9,52,36
